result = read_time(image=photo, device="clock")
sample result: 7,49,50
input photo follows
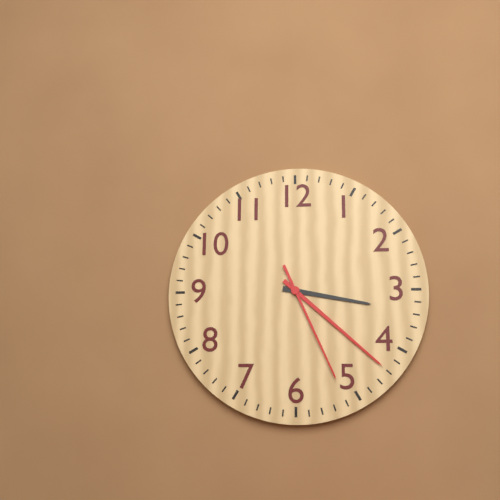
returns 3,22,26
